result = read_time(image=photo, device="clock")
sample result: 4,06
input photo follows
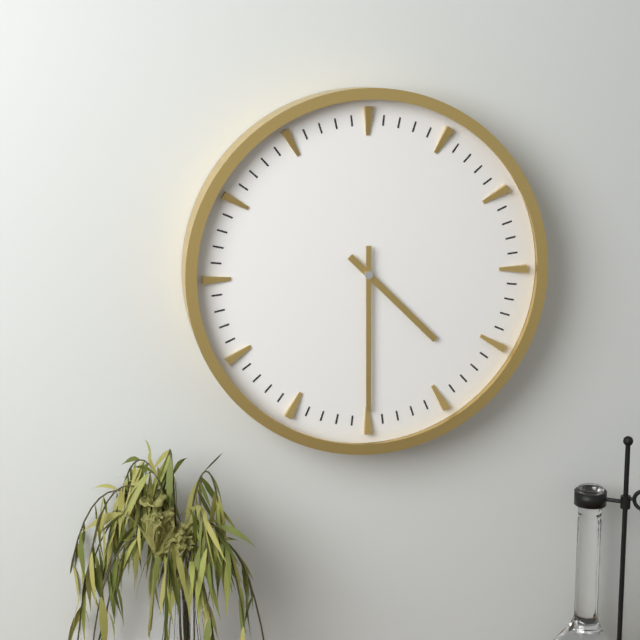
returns 4,30
